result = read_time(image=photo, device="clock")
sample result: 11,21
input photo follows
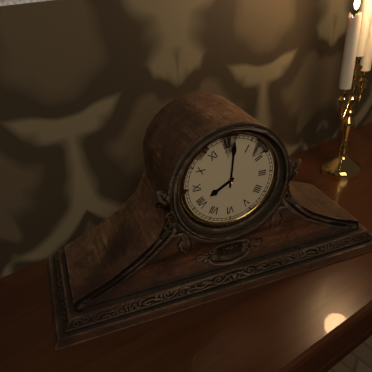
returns 8,01
